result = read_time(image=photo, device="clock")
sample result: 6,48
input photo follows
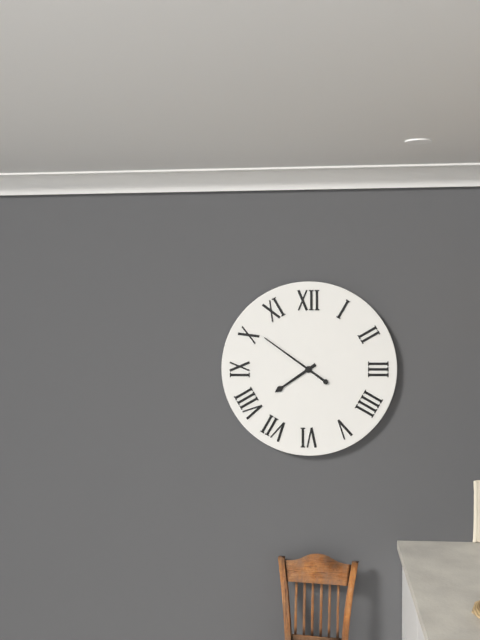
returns 7,51
